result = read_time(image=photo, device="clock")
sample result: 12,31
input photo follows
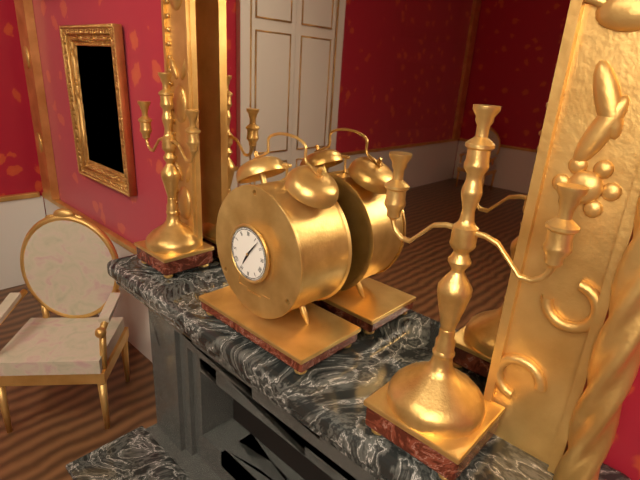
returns 7,07
